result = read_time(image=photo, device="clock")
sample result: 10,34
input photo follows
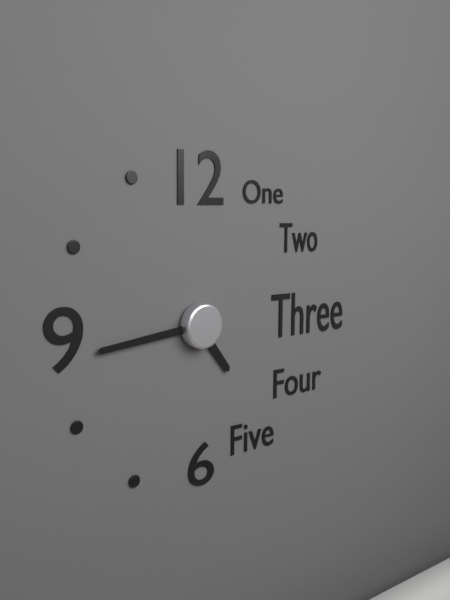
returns 4,44
